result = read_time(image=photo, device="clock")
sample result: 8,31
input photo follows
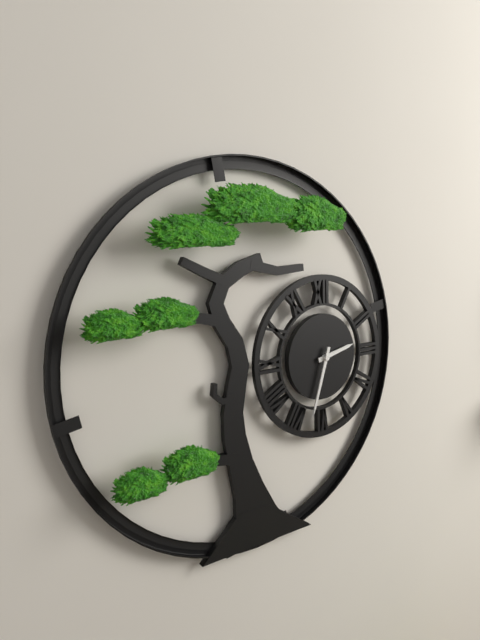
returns 2,33
